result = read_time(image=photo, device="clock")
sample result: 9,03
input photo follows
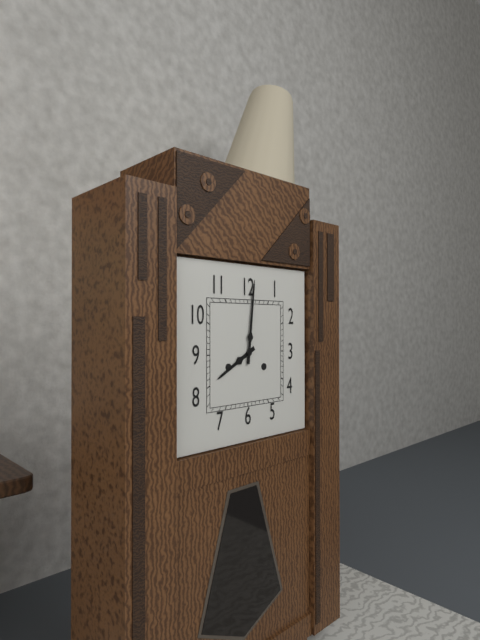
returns 8,01
